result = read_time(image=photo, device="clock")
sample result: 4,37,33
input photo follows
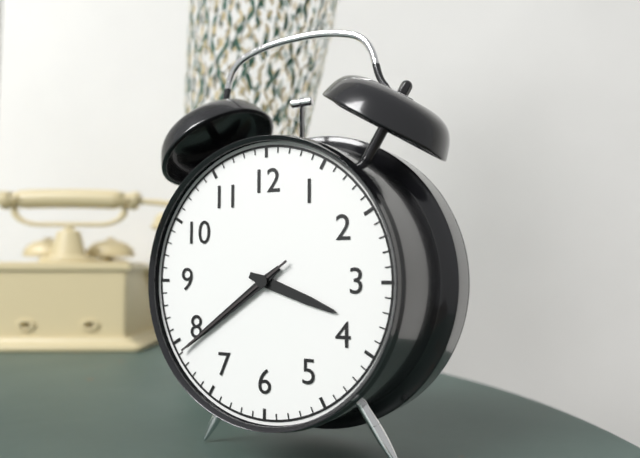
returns 3,39,39
